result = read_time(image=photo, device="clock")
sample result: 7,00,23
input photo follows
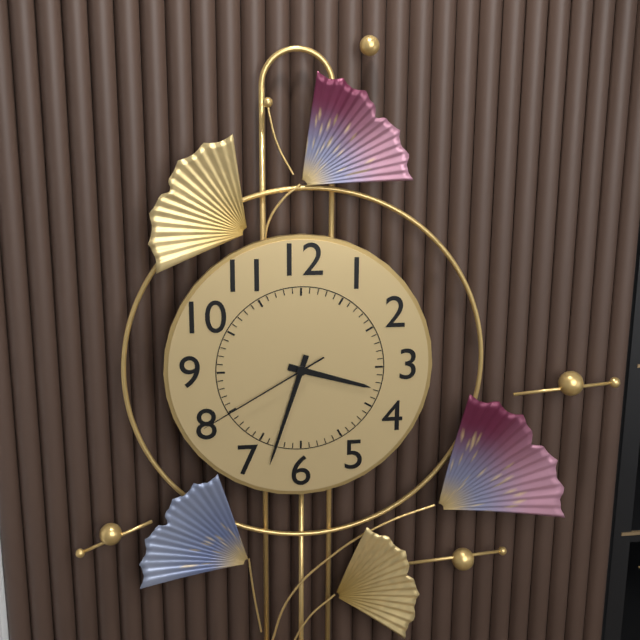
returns 3,33,40
